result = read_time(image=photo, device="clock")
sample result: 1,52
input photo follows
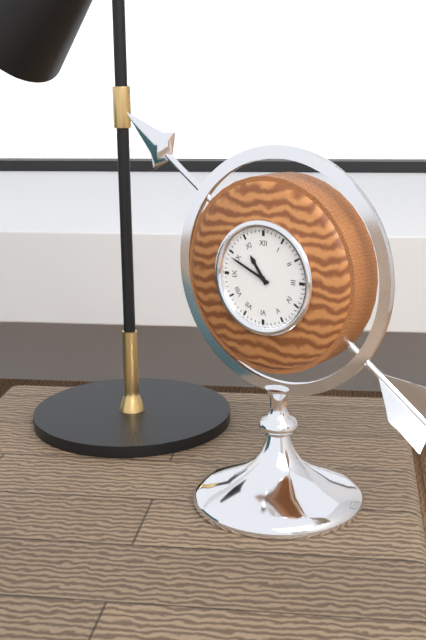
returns 10,49
